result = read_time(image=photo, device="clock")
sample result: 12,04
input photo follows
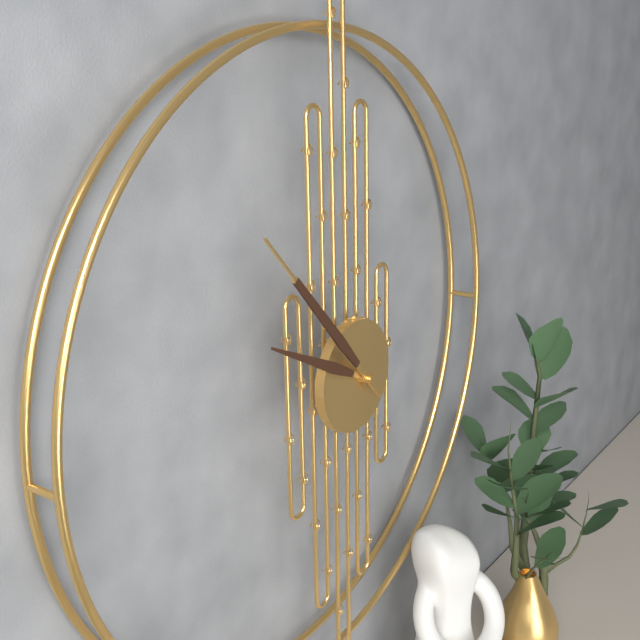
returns 9,53
